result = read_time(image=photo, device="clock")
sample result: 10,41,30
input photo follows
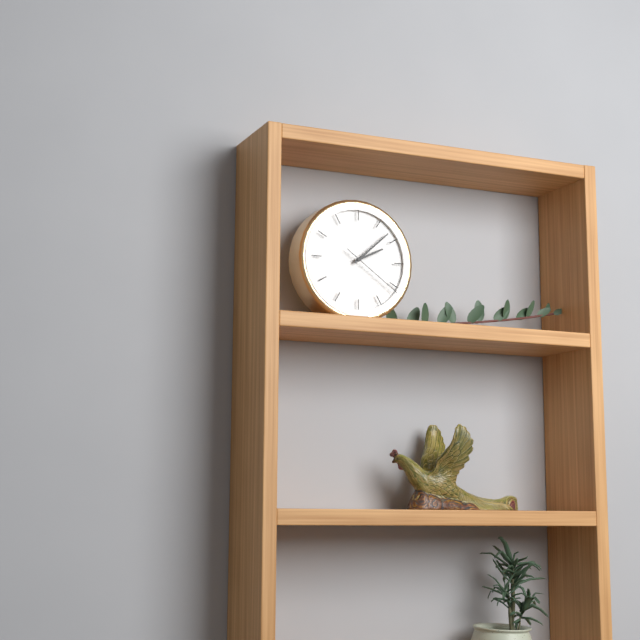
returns 2,08,21
